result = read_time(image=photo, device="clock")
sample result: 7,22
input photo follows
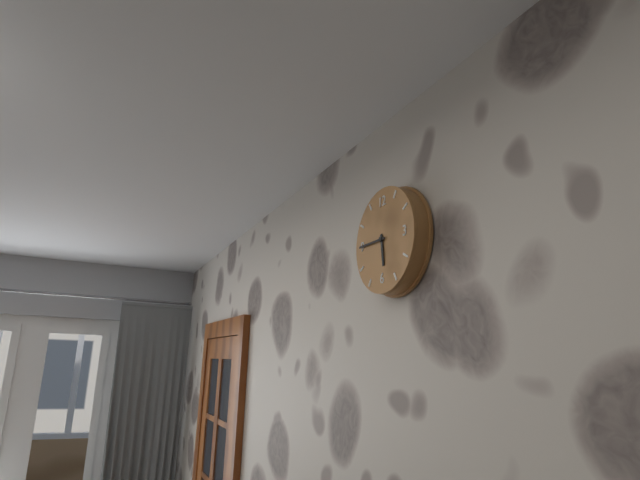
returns 5,45
